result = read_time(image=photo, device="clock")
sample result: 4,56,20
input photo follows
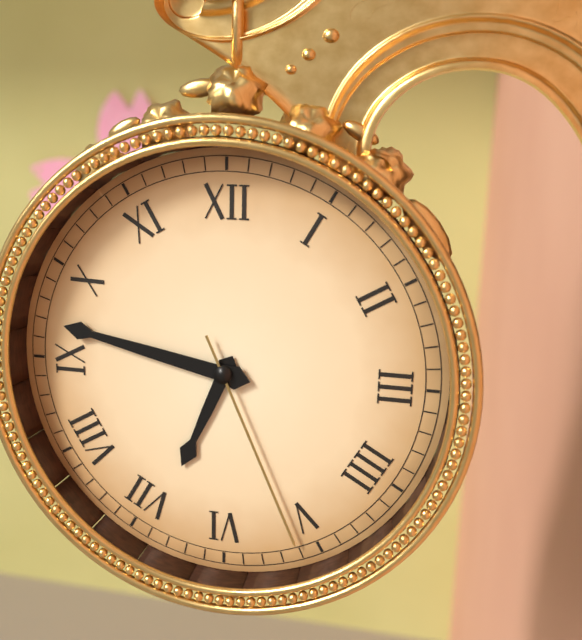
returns 6,47,26
